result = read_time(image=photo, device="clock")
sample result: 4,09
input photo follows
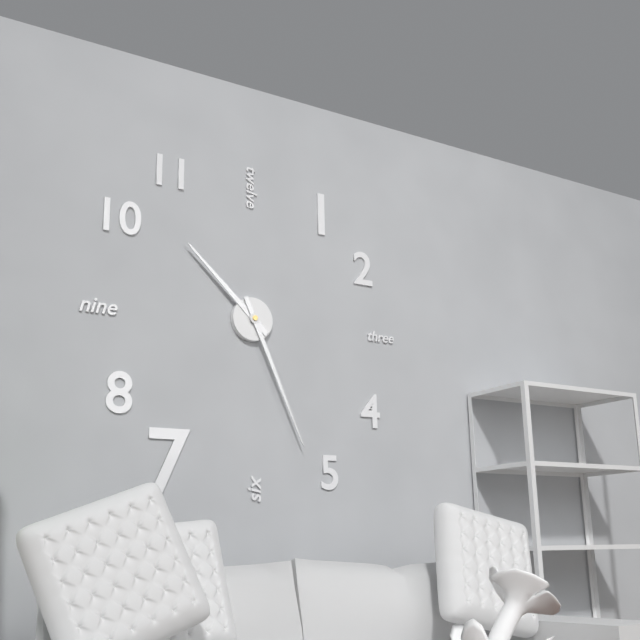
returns 10,26
